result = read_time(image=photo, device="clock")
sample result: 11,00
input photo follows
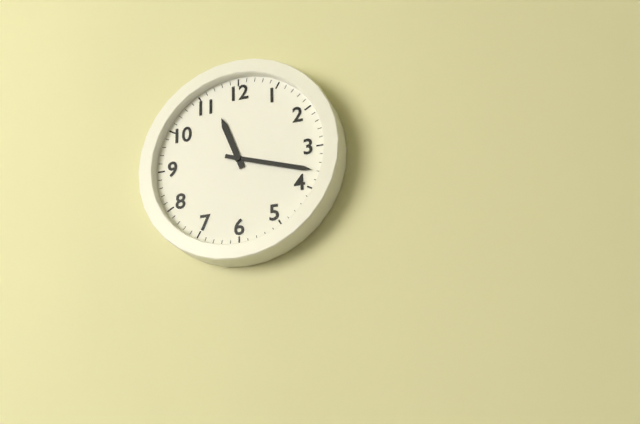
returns 11,18
